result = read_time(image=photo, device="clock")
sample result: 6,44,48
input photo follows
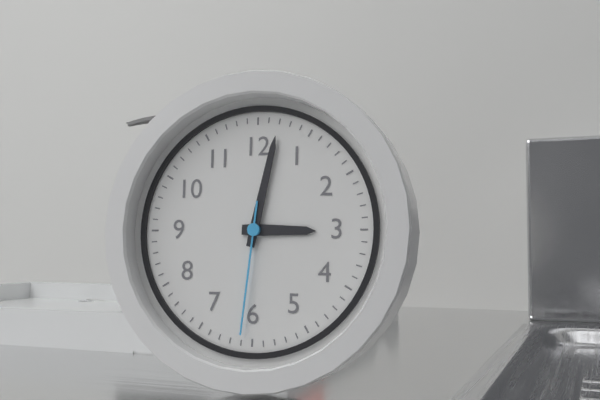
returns 3,02,31
